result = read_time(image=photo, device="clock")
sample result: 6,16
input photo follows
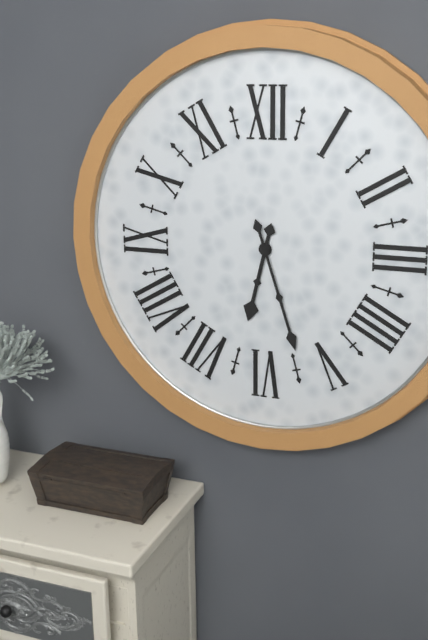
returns 6,27
